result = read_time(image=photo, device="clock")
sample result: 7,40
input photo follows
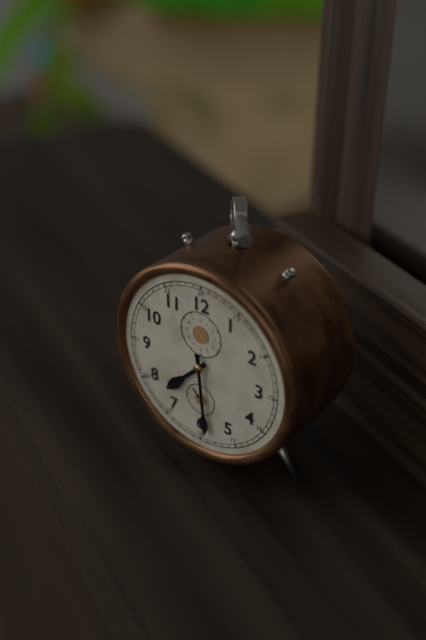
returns 7,29
